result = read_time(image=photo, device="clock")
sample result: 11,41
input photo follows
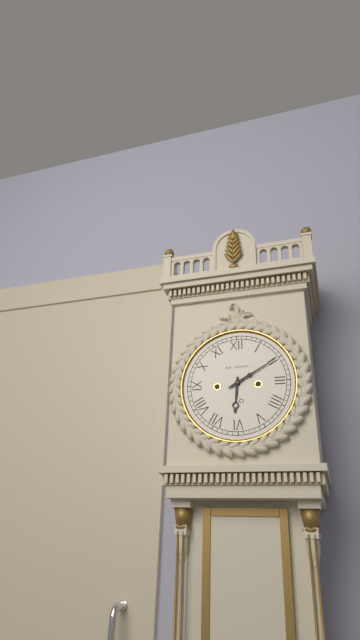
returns 6,10
